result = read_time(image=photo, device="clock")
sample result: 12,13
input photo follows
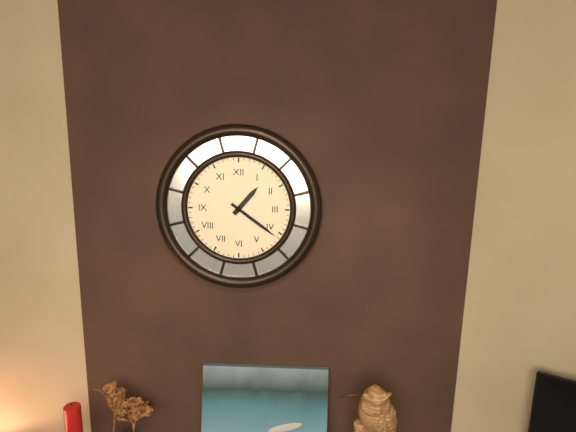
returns 1,21
